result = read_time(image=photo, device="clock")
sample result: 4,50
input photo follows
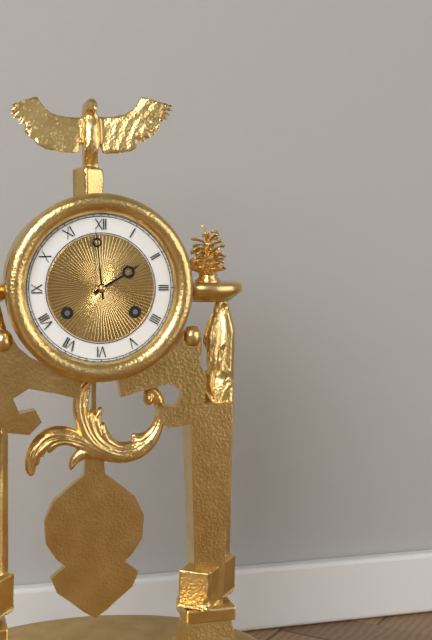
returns 1,59
